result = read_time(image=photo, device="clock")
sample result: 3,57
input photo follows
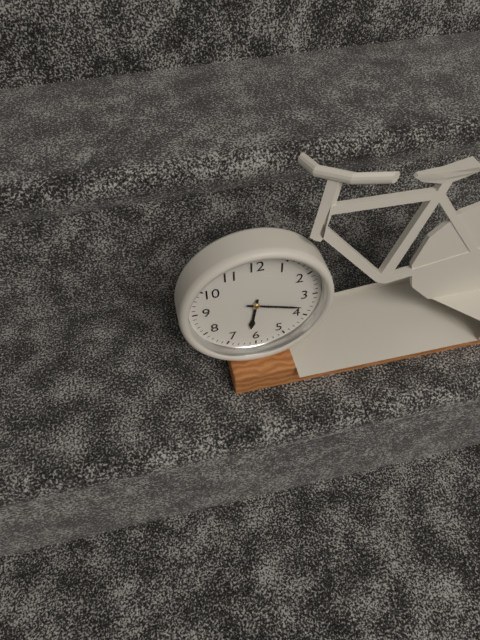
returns 6,18
